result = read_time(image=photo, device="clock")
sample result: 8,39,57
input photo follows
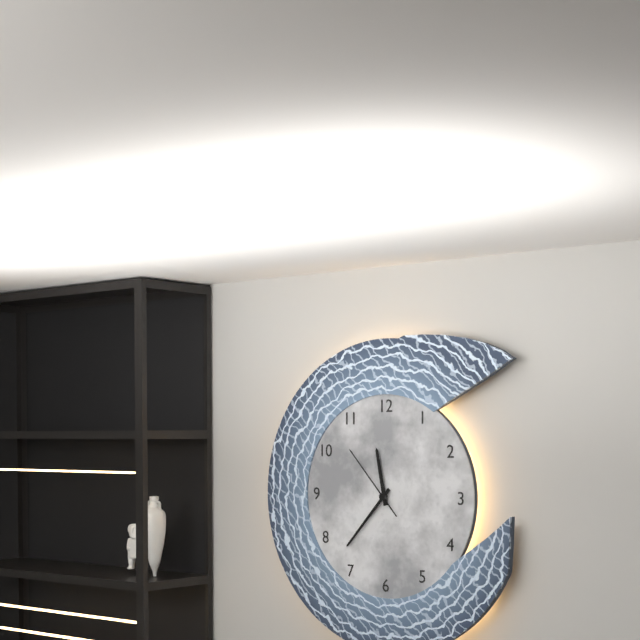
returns 11,37,53
